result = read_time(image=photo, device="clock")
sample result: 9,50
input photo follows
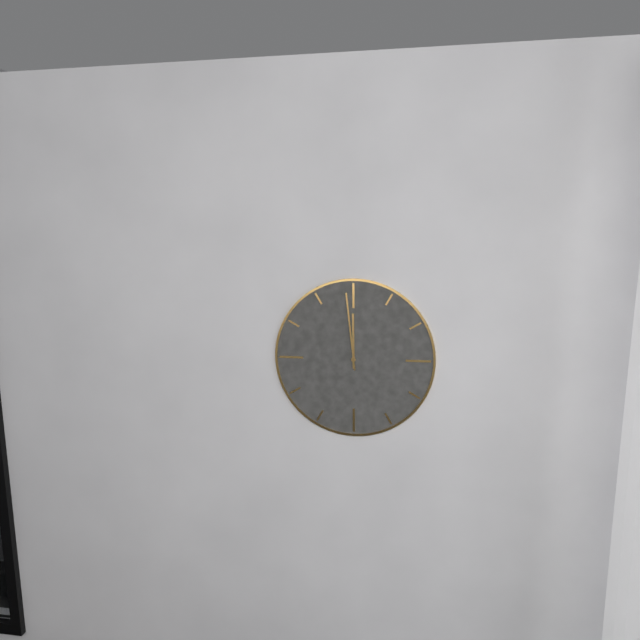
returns 11,59
